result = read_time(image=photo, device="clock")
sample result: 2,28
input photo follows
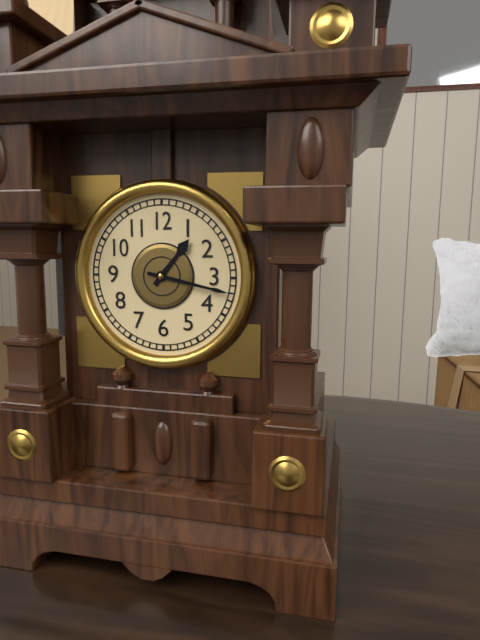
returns 1,17
